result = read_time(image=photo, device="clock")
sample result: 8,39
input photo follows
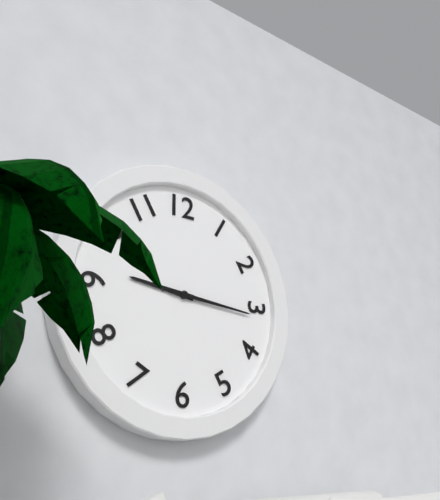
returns 9,16
